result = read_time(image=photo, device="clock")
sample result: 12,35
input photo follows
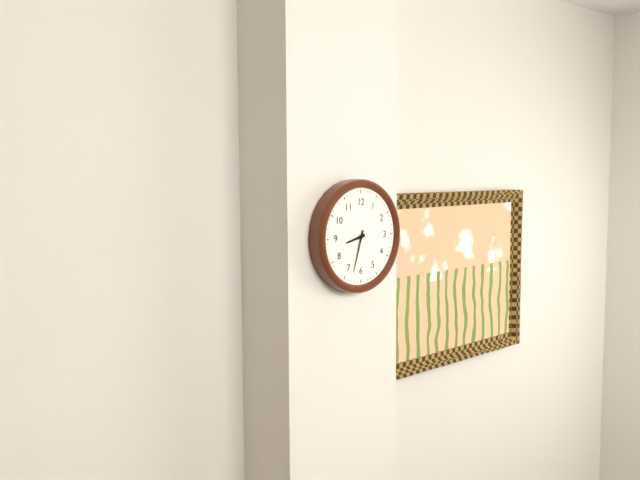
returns 8,33
